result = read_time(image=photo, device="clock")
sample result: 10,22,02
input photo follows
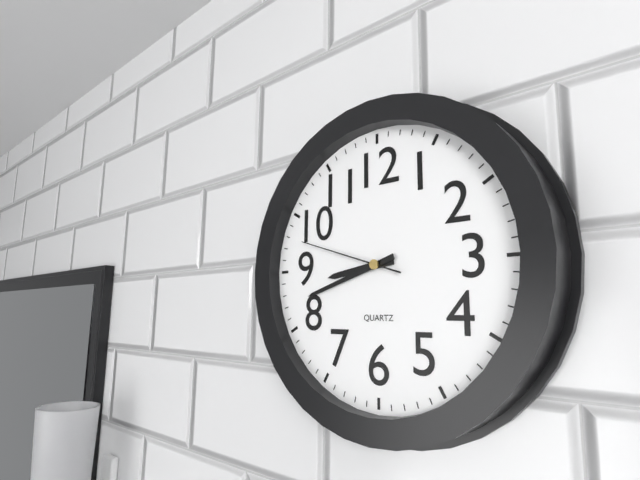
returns 8,42,48
